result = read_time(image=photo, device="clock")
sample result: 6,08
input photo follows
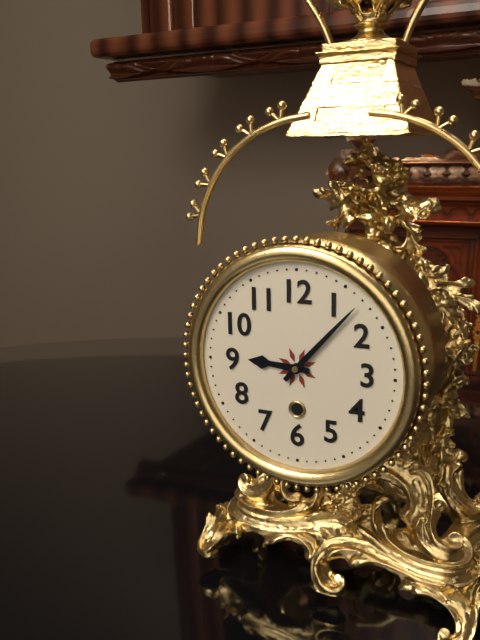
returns 9,07
